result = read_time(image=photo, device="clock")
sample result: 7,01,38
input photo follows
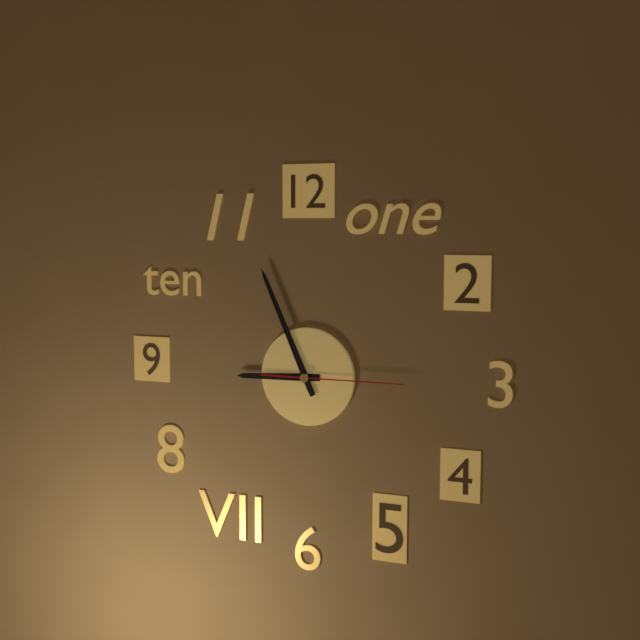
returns 8,56,15
